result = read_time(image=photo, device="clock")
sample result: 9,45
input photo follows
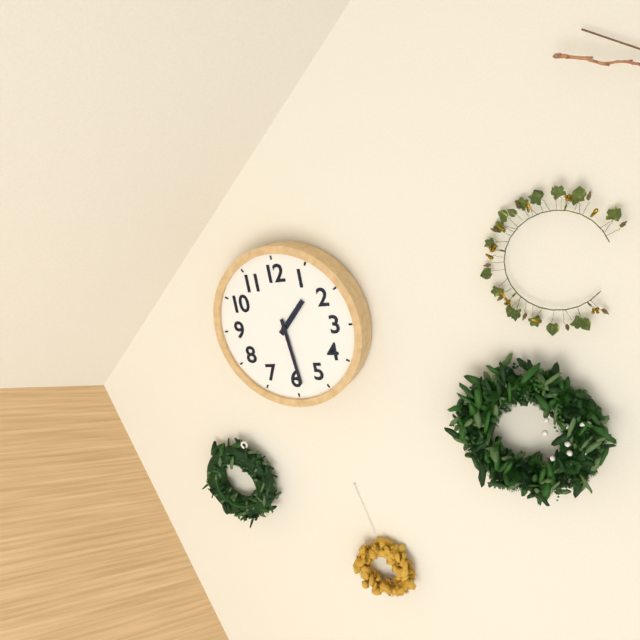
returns 1,29
